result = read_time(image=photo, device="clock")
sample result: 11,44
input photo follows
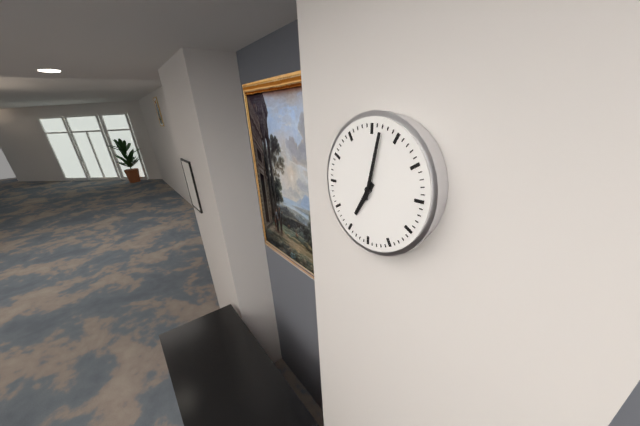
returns 7,02
